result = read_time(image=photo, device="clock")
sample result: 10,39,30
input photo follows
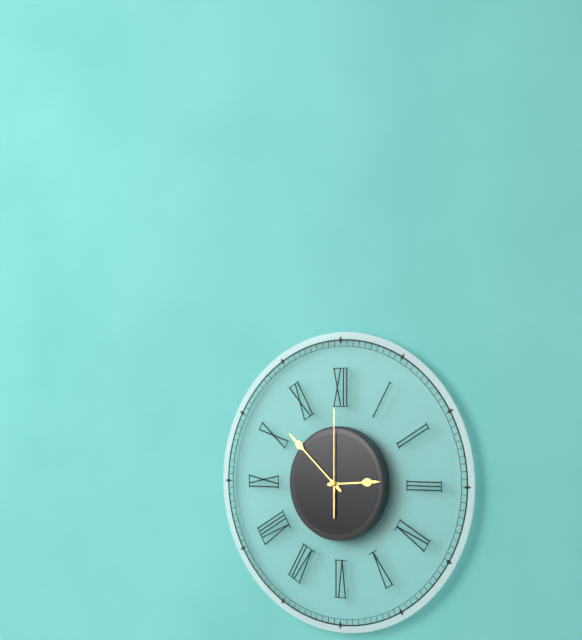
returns 2,52,00
